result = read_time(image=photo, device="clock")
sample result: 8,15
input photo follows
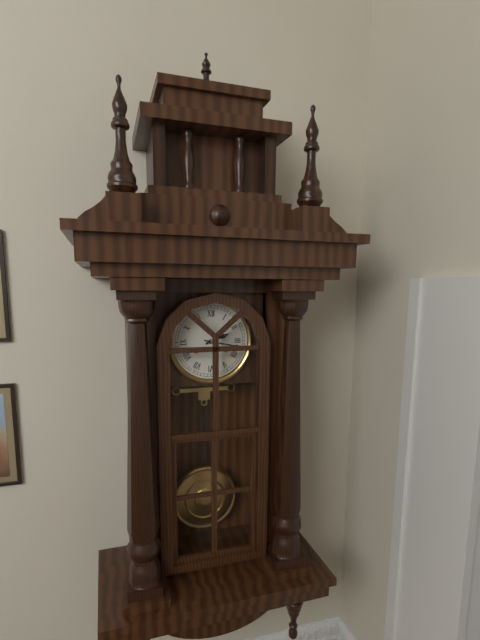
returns 2,17
